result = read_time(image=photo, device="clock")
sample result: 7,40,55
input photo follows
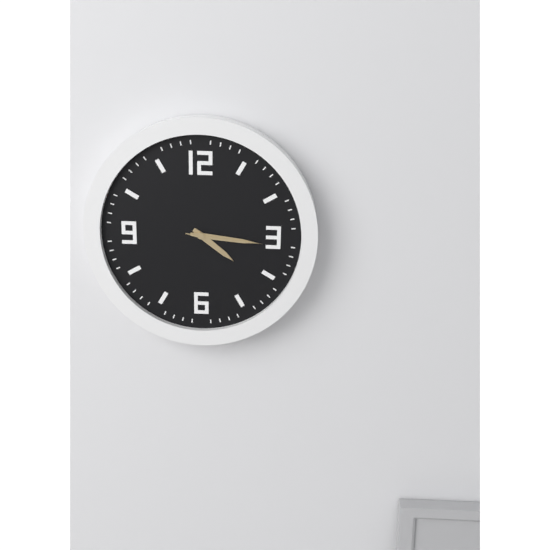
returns 4,16,16
